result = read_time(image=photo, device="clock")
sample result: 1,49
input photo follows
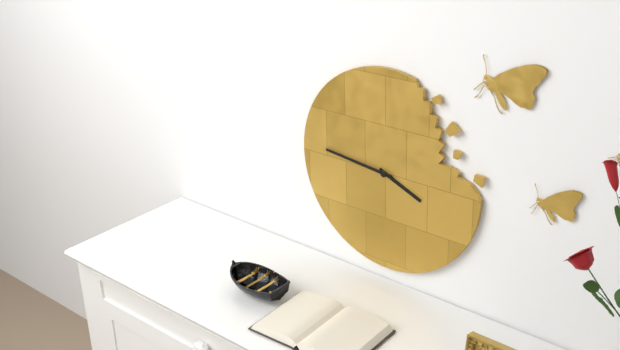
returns 3,46
